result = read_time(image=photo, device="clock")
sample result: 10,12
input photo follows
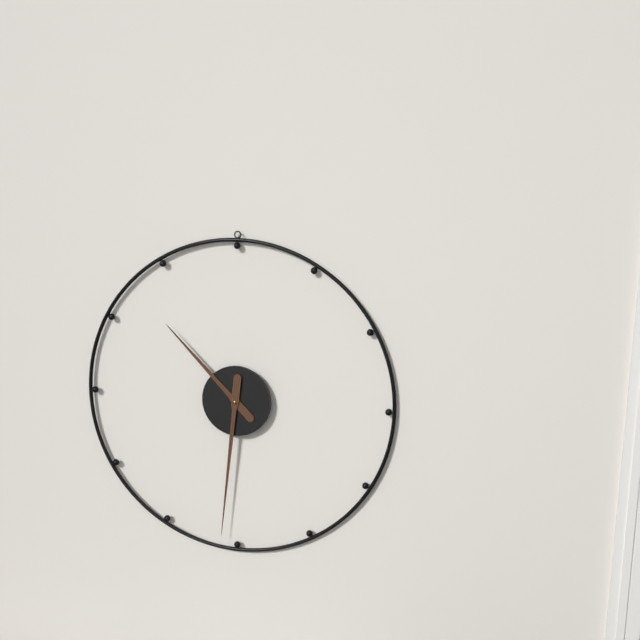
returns 10,31
